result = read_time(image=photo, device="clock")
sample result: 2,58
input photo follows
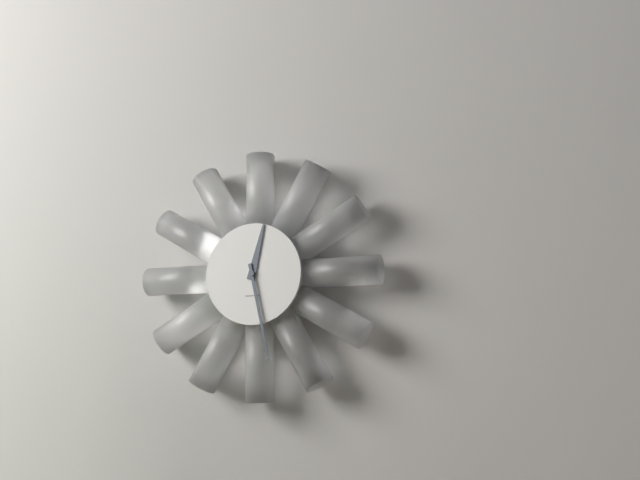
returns 12,28
